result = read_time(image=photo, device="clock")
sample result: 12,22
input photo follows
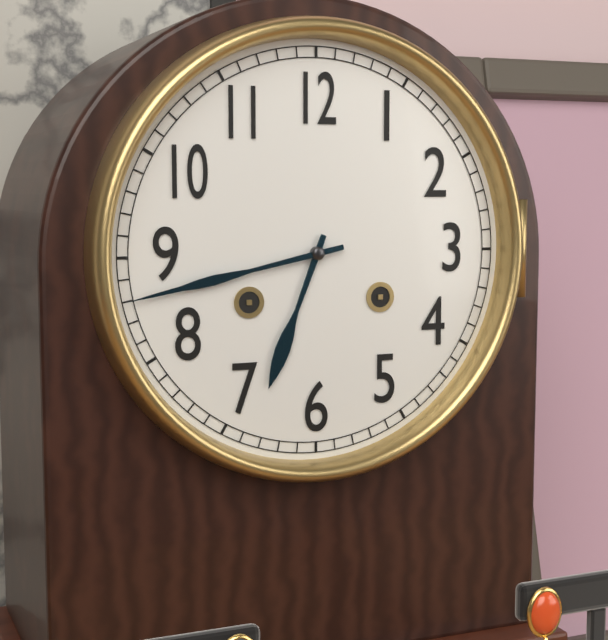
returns 6,43
